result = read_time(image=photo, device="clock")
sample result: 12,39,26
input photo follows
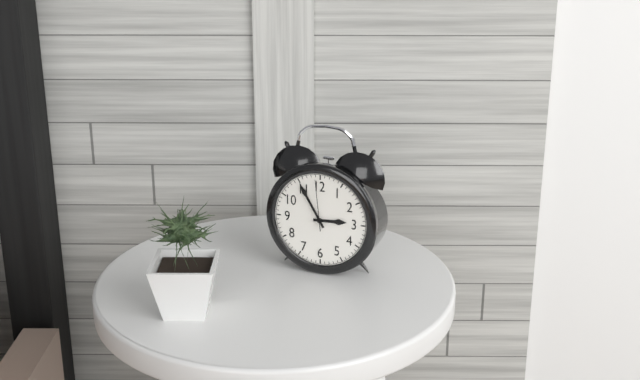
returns 2,55,59
